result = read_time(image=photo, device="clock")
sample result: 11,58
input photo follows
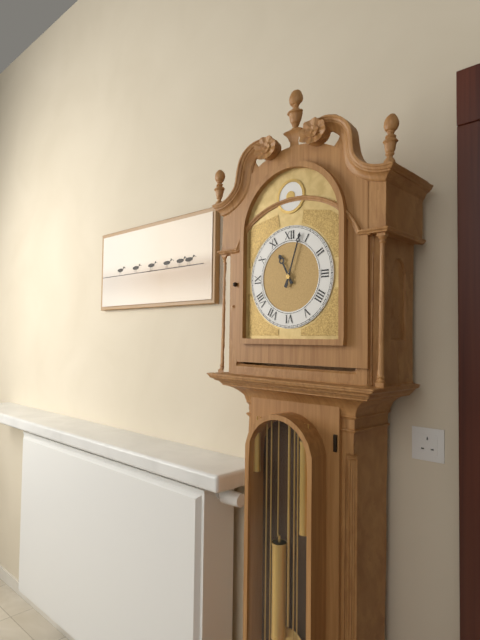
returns 11,03
